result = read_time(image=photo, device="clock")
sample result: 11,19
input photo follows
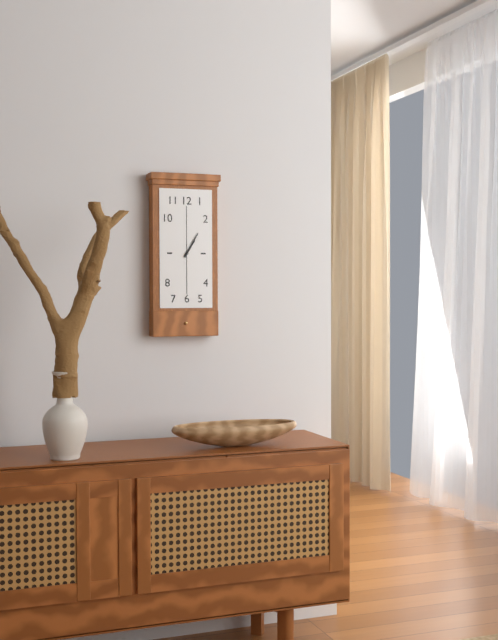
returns 1,05
